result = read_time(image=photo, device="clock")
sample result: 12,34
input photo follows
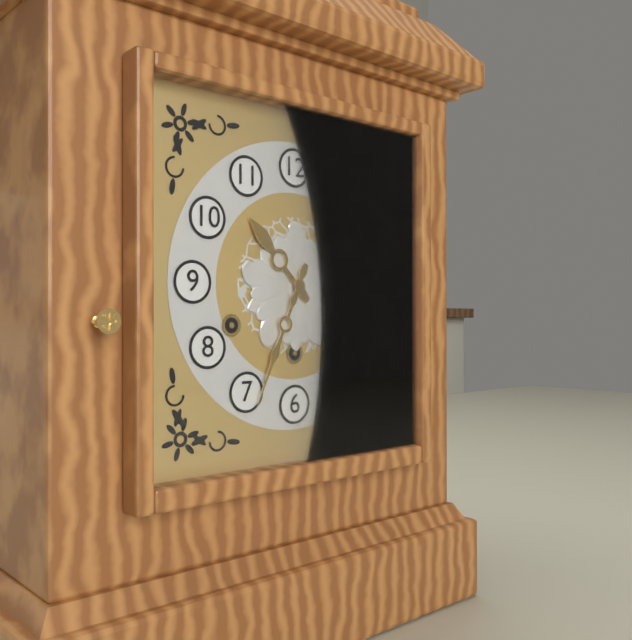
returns 10,34
